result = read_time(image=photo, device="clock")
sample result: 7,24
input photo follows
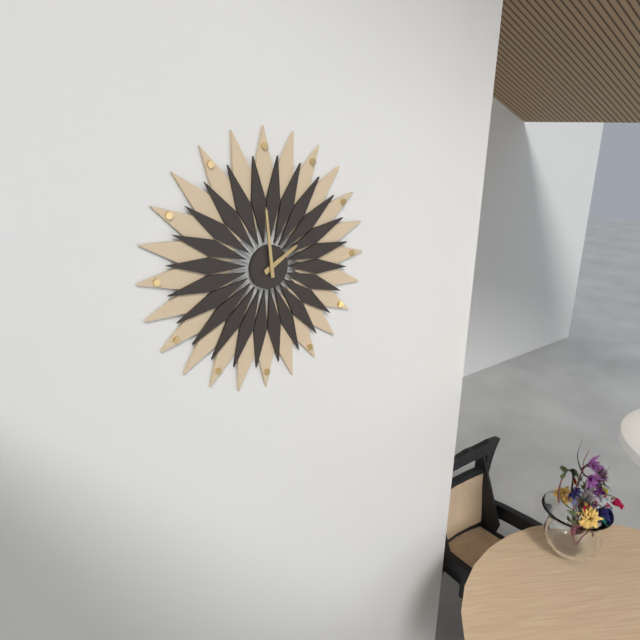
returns 1,59
